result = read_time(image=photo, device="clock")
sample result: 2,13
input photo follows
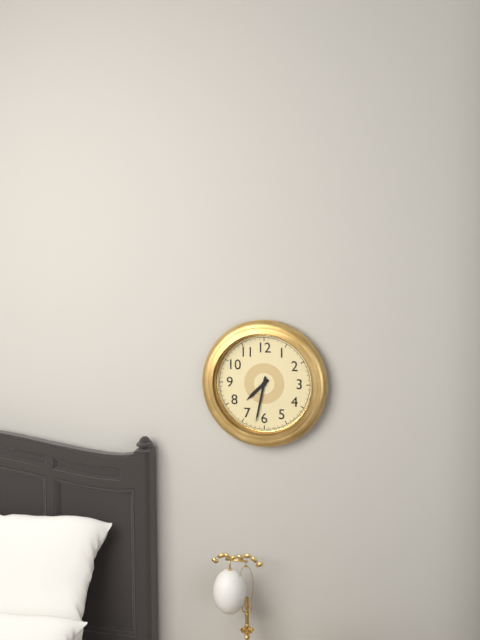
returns 7,32
